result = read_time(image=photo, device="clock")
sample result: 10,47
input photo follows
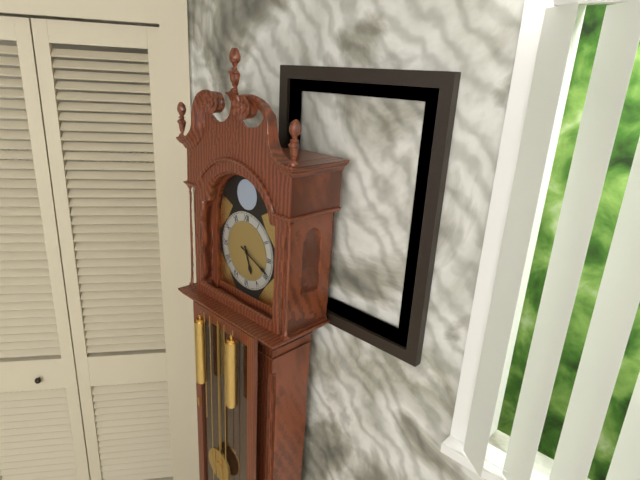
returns 5,19
